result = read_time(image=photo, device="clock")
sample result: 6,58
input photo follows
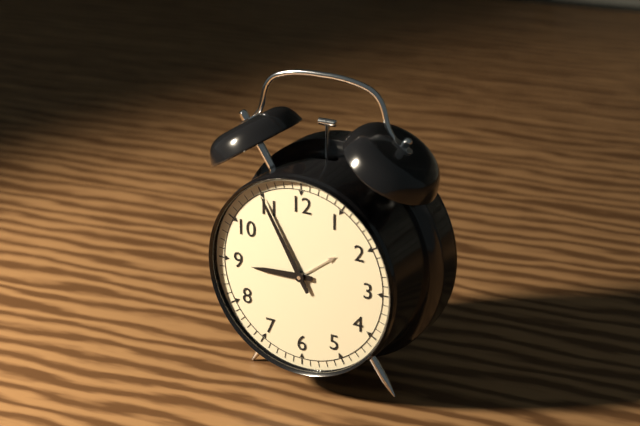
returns 8,55
